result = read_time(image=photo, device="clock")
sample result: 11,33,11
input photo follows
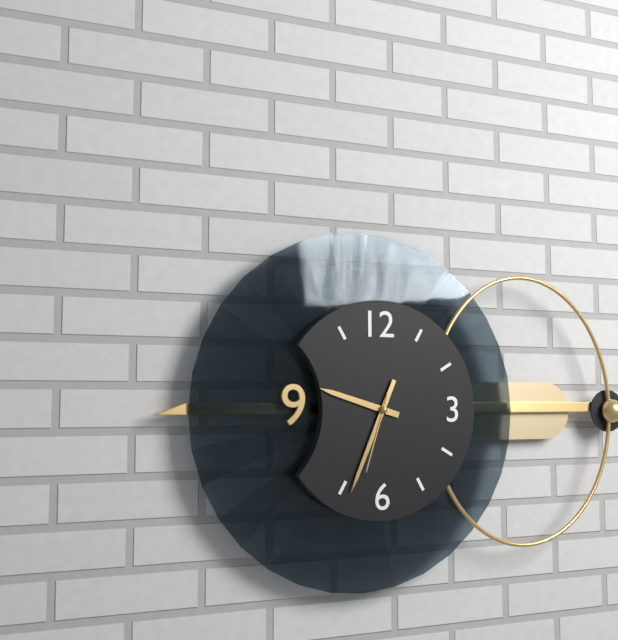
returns 9,34,33
